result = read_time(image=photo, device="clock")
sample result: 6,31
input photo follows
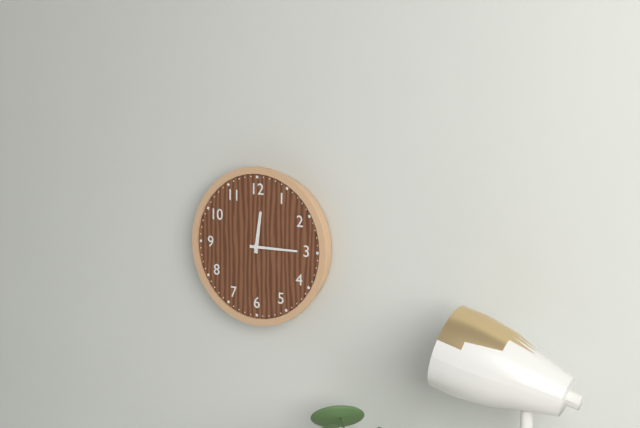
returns 12,15
